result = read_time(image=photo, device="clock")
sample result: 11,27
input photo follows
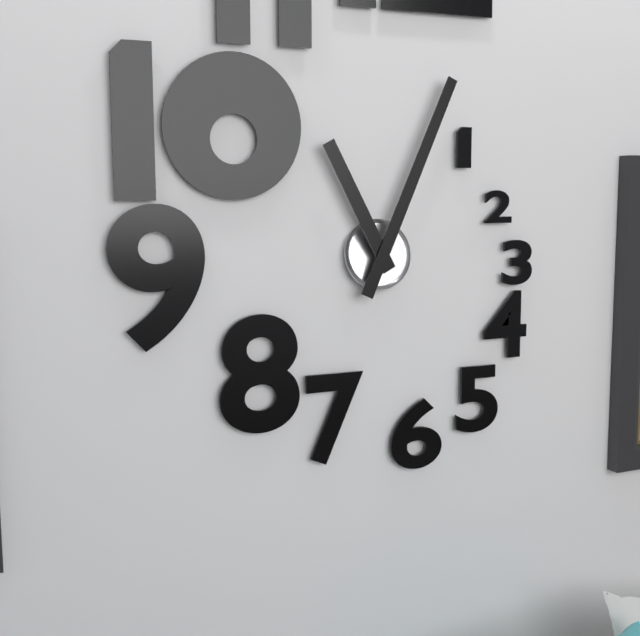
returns 11,04
